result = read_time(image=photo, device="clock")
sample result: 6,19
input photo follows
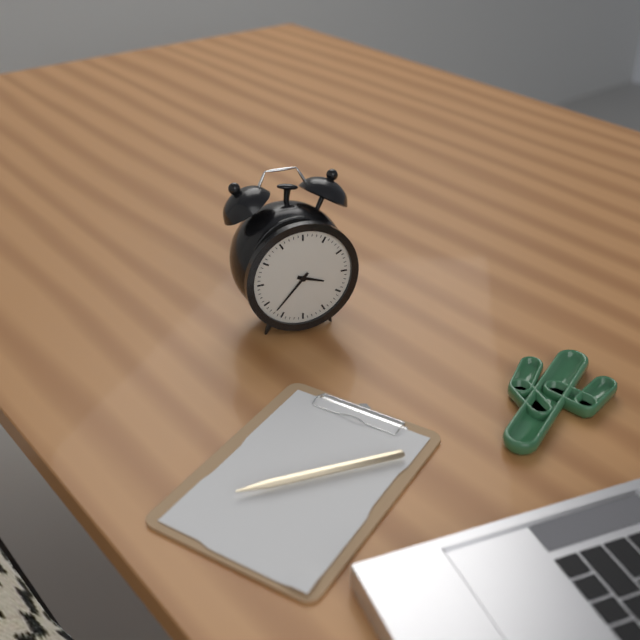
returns 3,37
